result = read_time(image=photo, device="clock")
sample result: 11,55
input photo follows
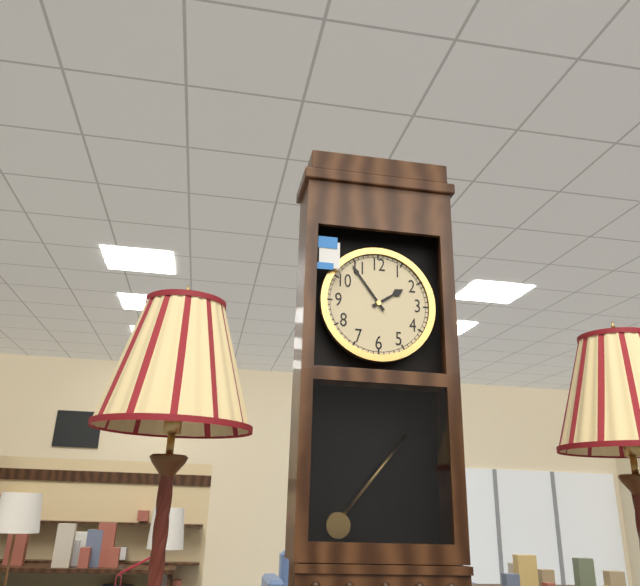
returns 1,54
